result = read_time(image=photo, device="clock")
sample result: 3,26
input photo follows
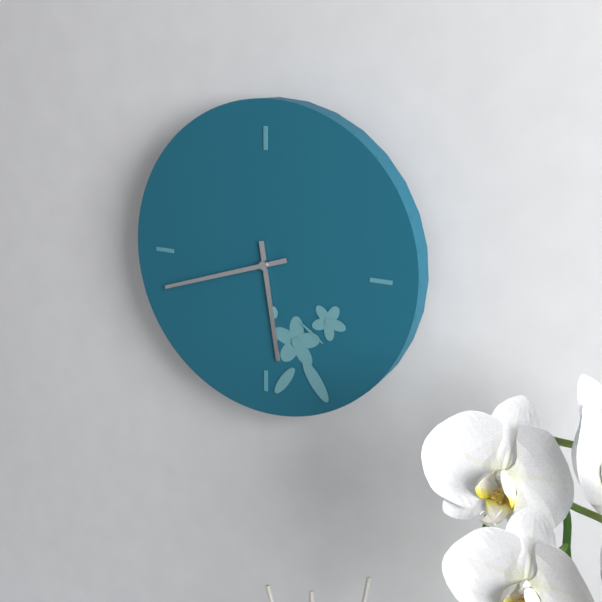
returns 5,42
